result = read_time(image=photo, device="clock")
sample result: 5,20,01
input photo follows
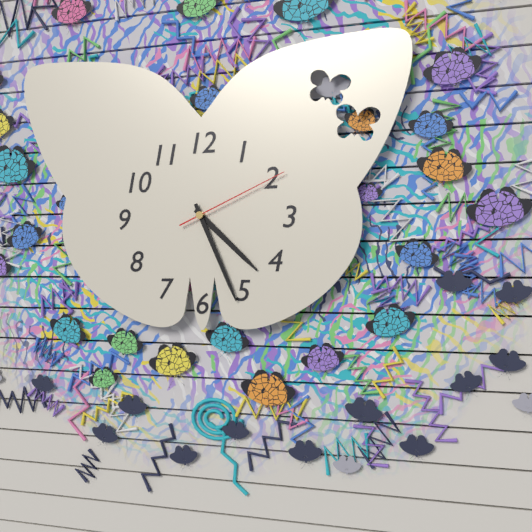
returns 4,26,11
